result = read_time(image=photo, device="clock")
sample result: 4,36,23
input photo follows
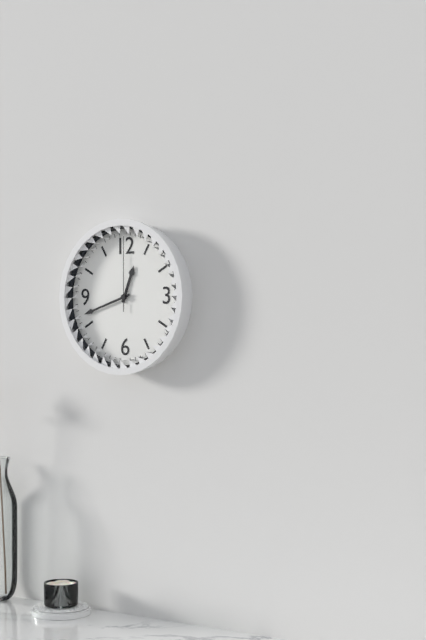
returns 12,42,00
